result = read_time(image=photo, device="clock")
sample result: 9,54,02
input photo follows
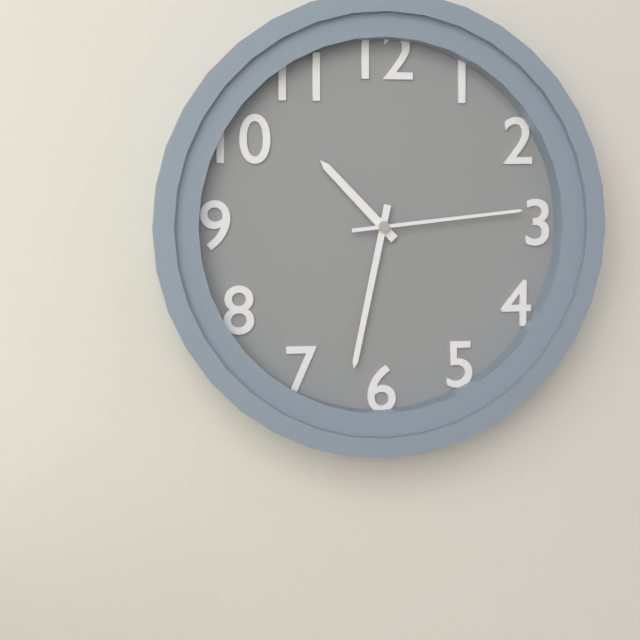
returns 10,32,14
